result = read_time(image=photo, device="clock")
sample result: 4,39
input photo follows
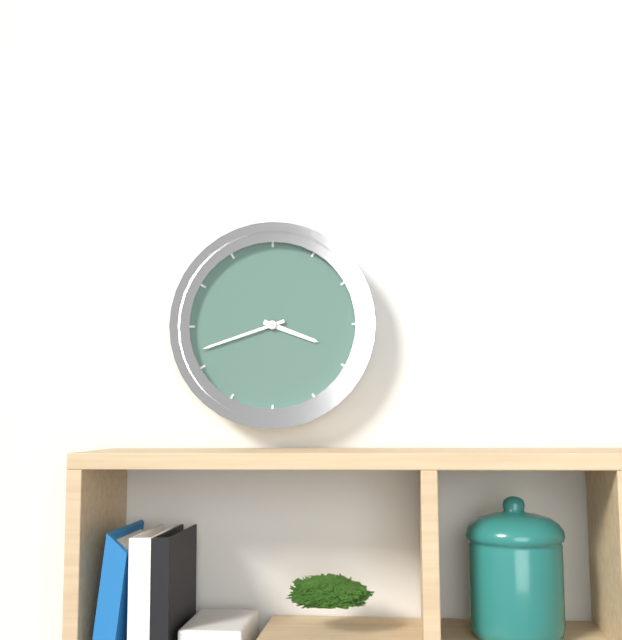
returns 3,42
